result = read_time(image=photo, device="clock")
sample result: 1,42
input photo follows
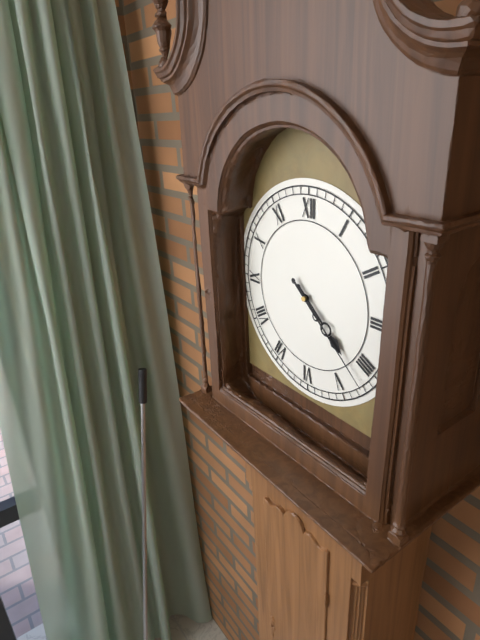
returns 4,22
